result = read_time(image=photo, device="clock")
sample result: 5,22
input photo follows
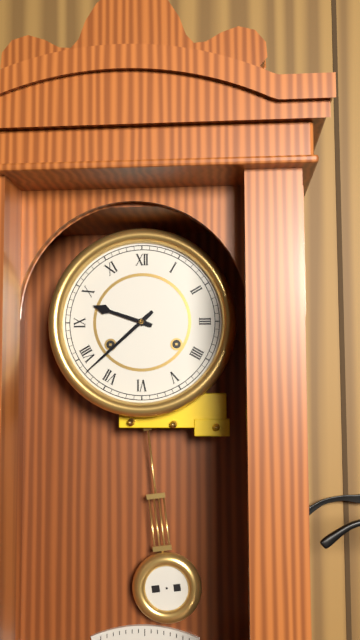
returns 9,38
